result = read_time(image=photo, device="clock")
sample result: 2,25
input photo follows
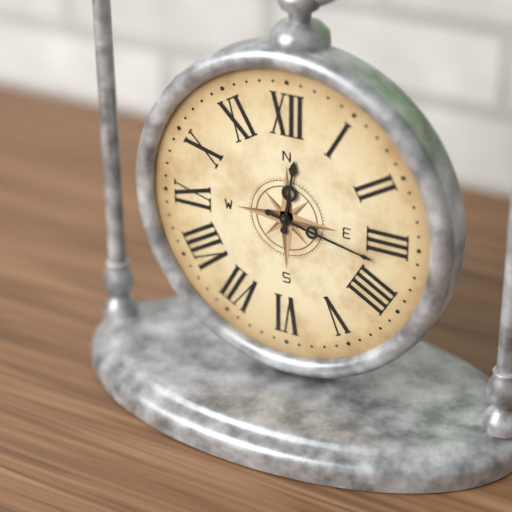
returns 12,17
